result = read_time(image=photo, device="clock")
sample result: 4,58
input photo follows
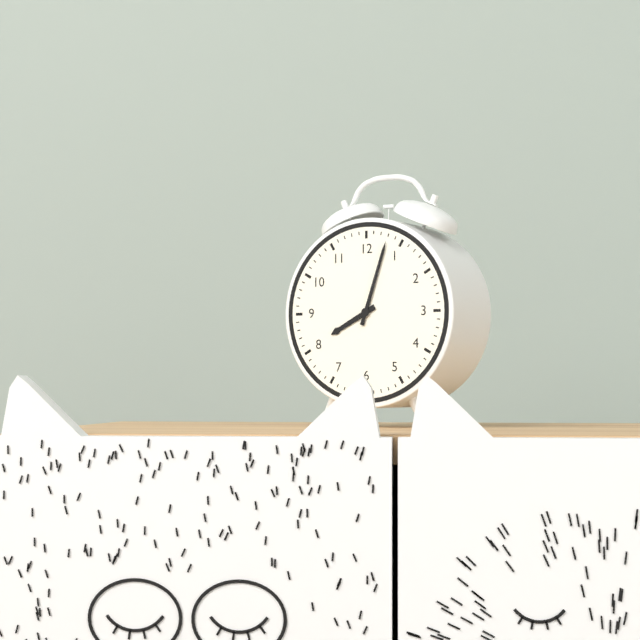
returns 8,03
